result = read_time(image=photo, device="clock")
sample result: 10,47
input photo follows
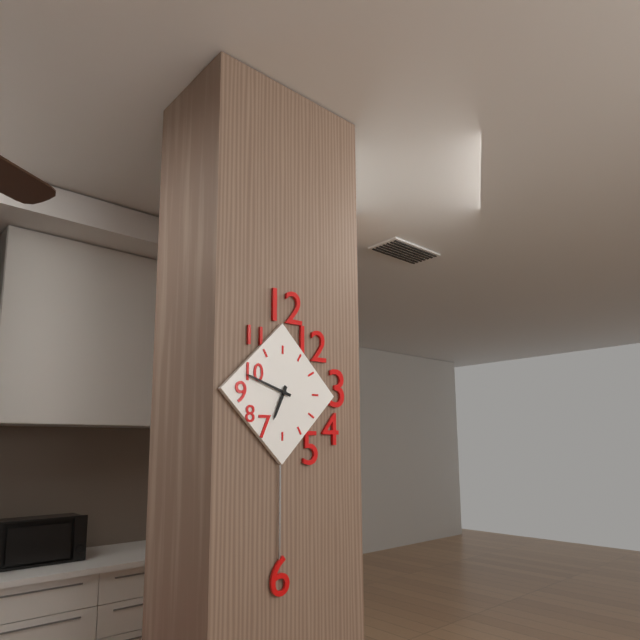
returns 6,48
